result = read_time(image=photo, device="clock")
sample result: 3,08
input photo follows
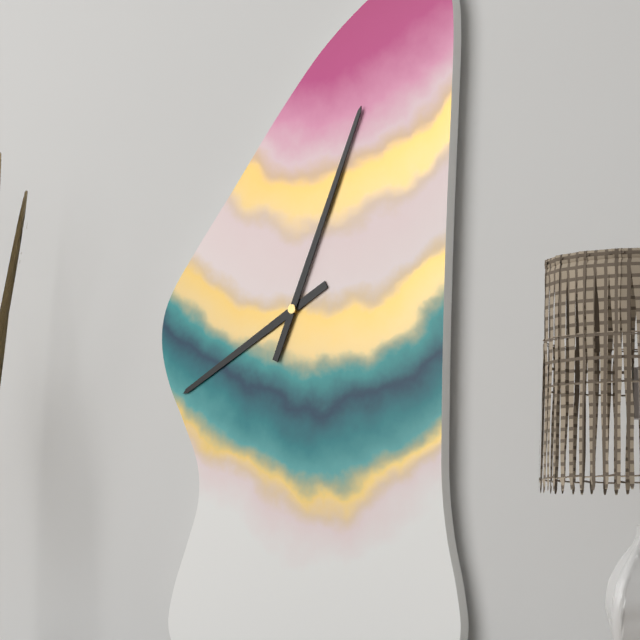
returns 8,04
